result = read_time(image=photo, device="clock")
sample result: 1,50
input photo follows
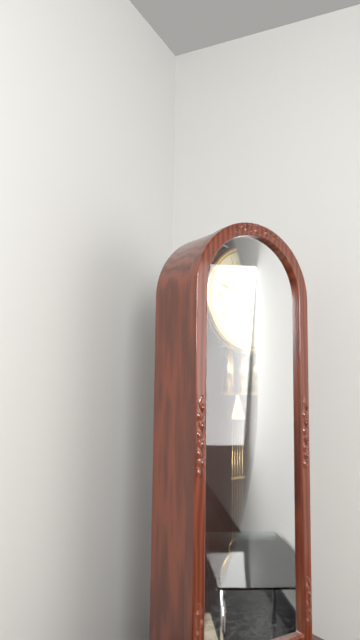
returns 6,48
